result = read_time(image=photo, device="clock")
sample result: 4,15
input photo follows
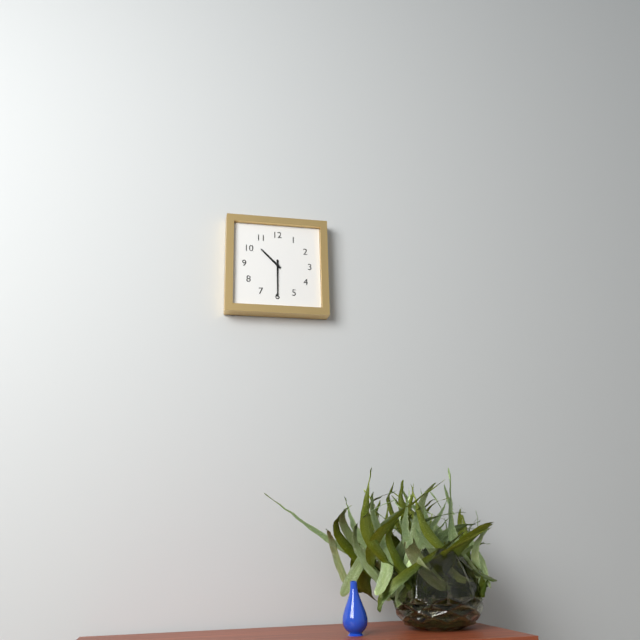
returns 10,30
